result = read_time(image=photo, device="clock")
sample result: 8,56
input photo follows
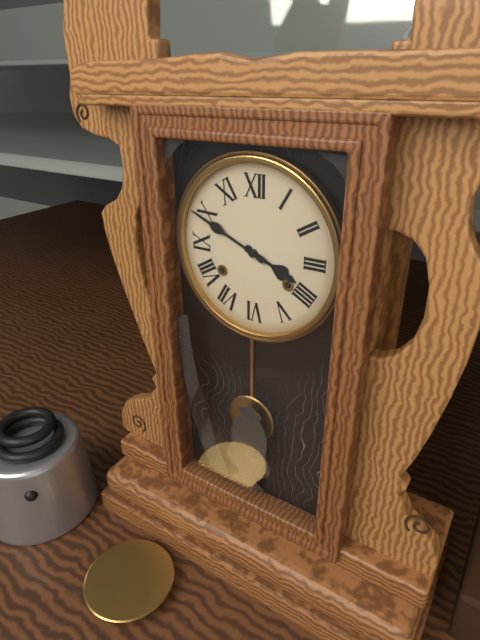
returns 3,49
